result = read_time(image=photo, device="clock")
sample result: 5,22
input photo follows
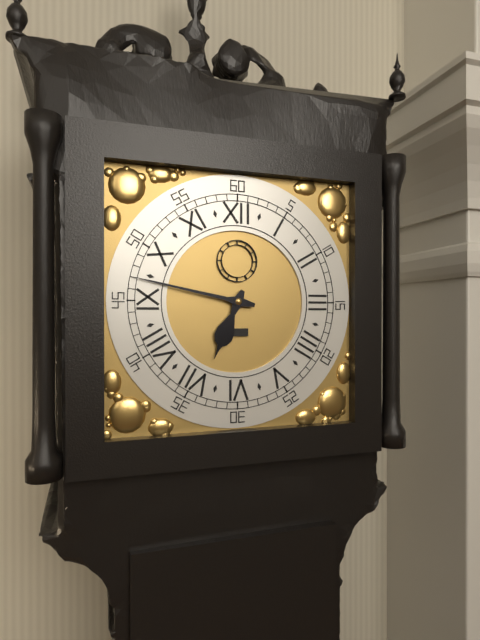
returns 6,47
